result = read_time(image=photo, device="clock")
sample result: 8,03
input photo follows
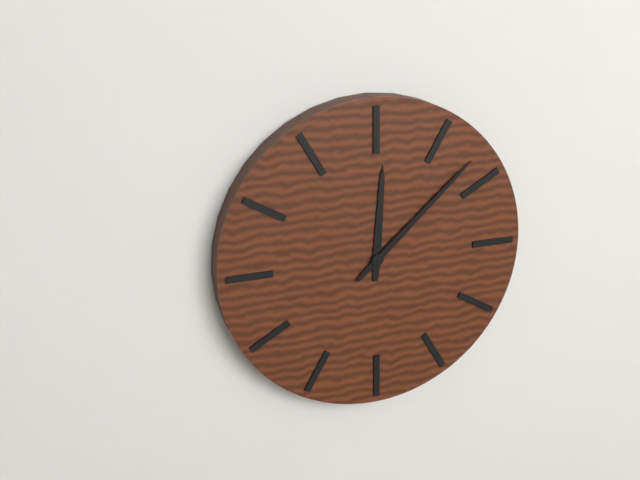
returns 12,08
